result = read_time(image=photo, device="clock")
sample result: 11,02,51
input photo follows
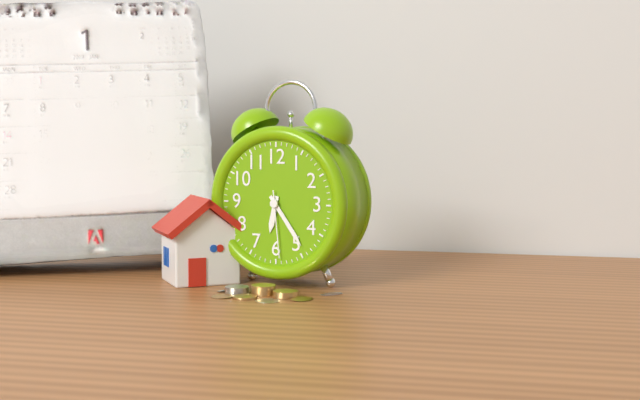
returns 6,24,29
